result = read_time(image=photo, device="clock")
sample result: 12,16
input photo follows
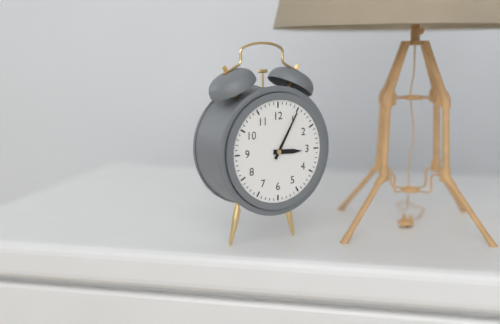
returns 3,05
